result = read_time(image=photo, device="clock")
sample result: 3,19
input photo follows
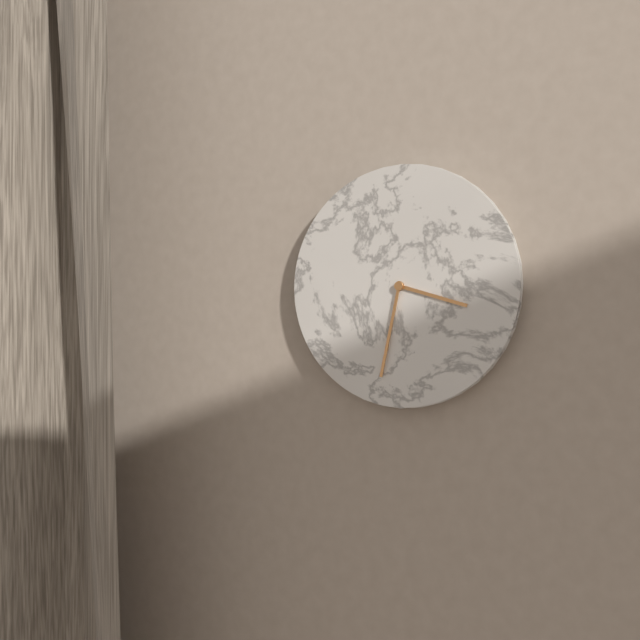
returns 3,32
